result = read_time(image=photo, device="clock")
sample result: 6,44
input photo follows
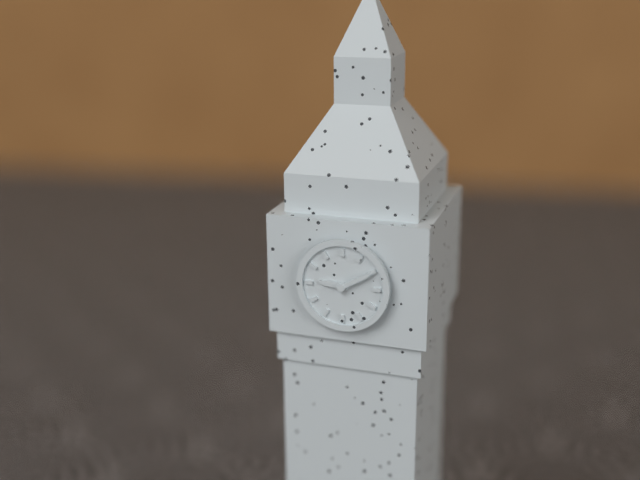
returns 9,10
